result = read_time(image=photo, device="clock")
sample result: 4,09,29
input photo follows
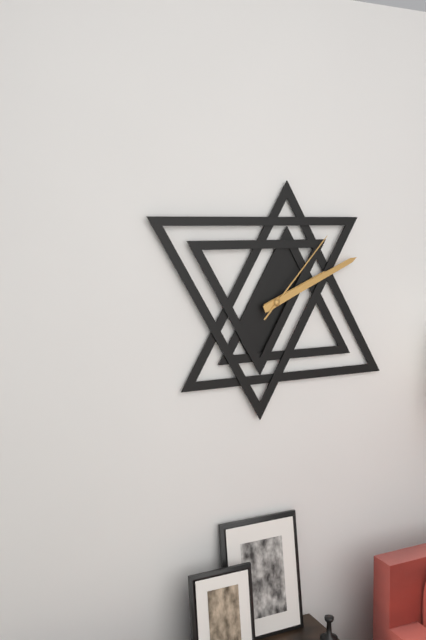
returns 2,11,07
